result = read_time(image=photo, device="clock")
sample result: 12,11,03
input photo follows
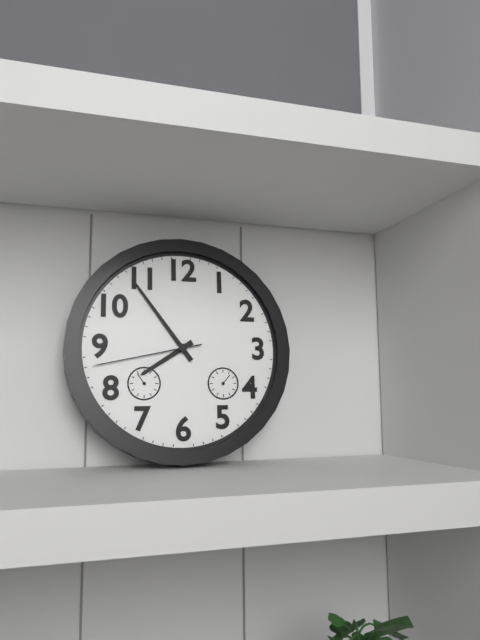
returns 7,54,43
